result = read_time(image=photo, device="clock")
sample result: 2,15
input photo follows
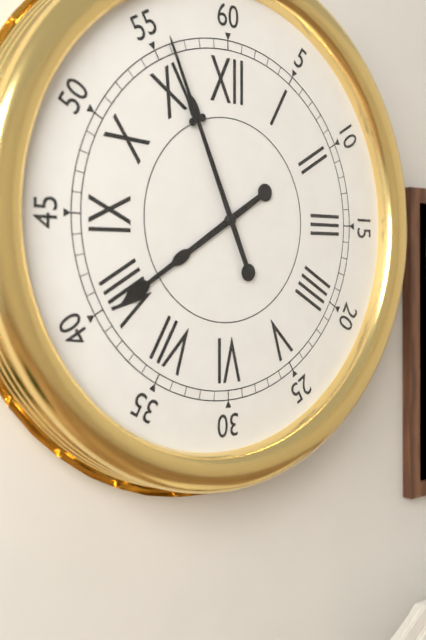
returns 7,56
